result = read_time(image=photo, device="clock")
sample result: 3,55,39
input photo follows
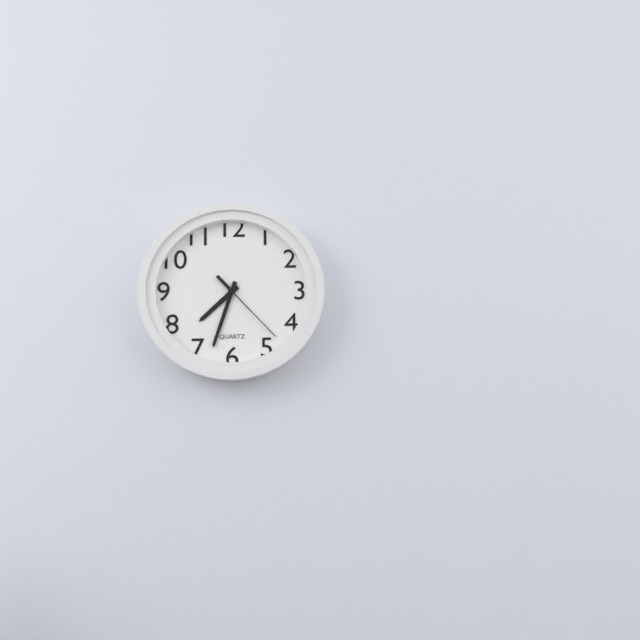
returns 7,33,23
